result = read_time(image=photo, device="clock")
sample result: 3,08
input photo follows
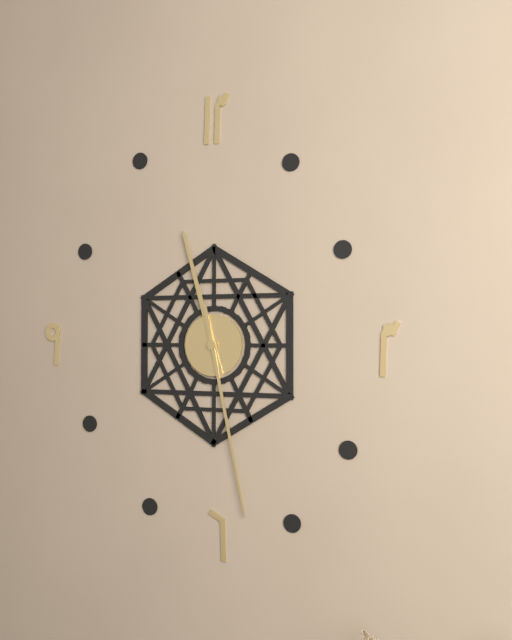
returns 11,28
